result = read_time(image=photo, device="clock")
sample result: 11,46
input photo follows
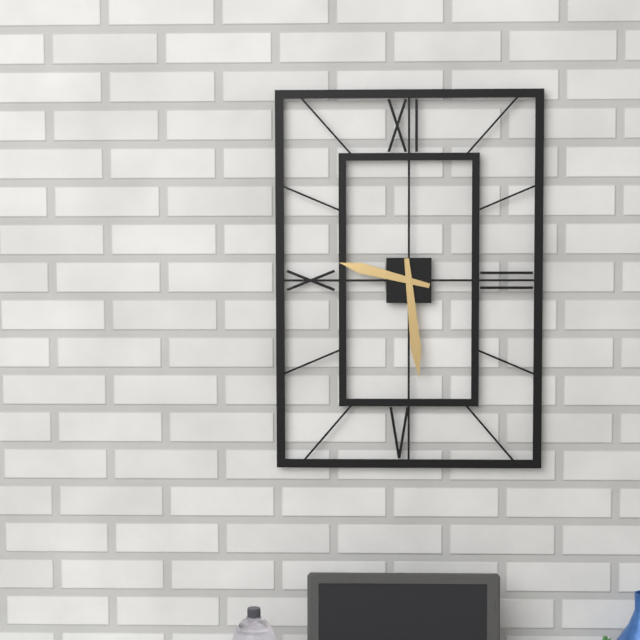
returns 9,29
